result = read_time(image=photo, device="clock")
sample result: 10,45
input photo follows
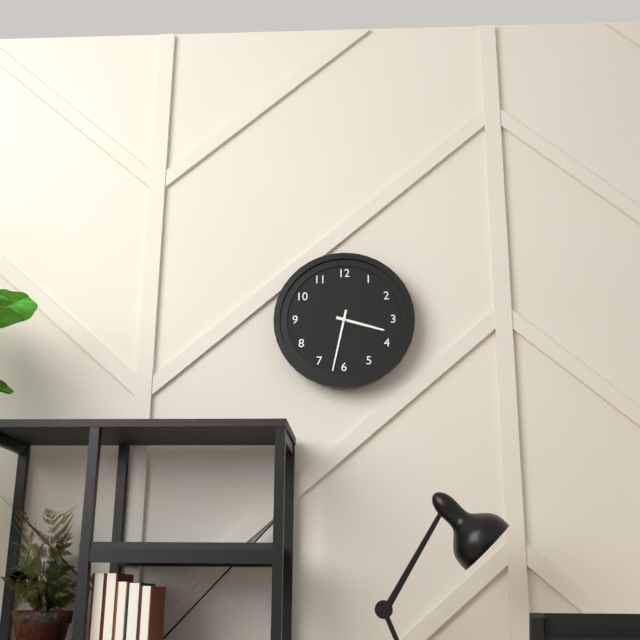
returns 3,32
